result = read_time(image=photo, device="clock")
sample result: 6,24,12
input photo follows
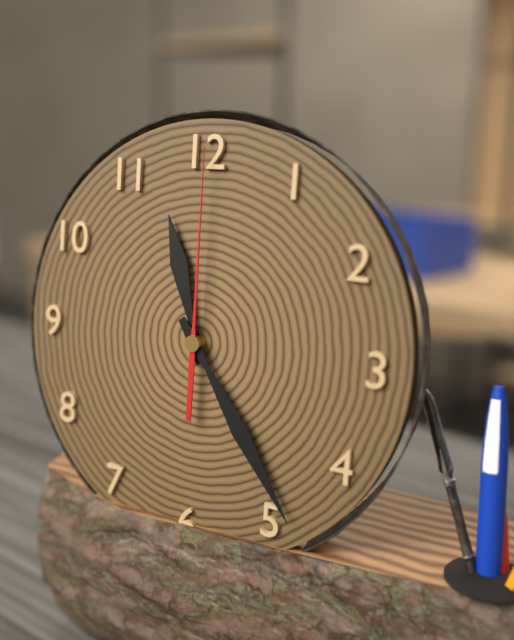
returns 11,24,00
